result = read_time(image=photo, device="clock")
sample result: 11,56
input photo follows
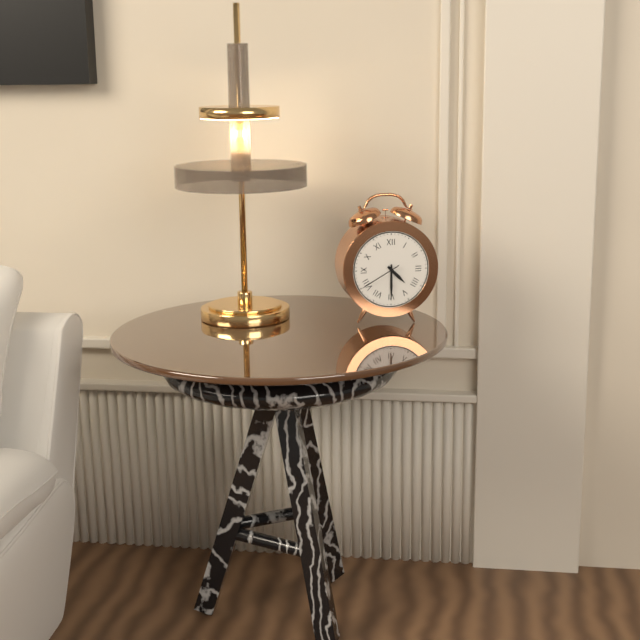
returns 4,30
